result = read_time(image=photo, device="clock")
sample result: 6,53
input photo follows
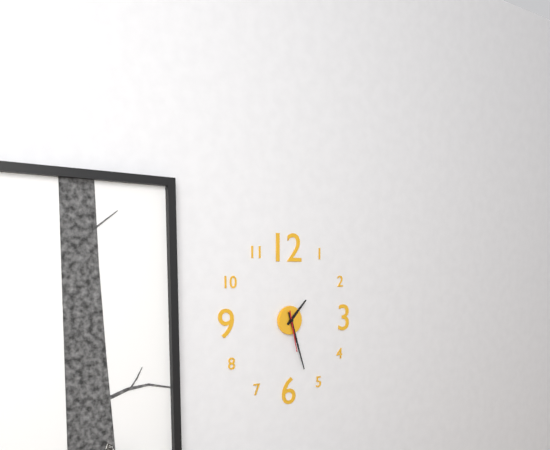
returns 1,27
